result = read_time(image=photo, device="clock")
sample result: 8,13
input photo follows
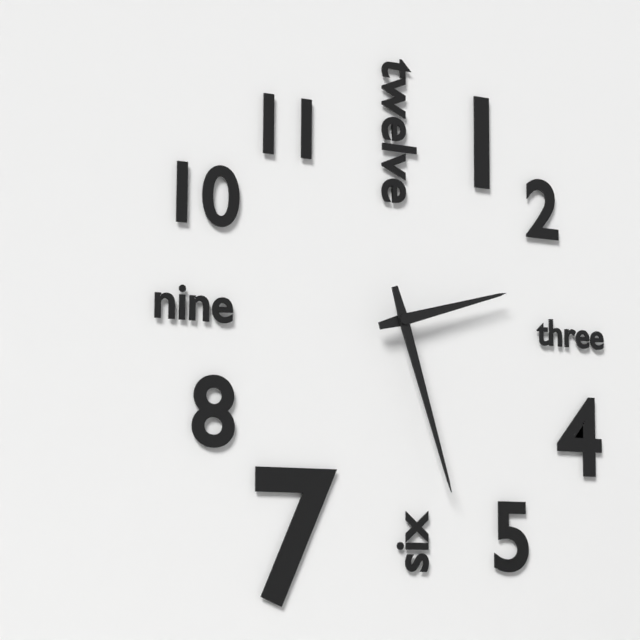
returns 2,27
